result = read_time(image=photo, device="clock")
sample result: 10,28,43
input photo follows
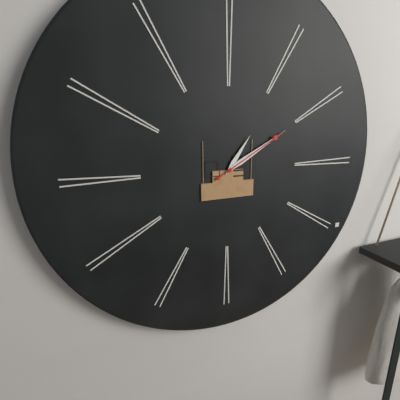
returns 1,10,10
